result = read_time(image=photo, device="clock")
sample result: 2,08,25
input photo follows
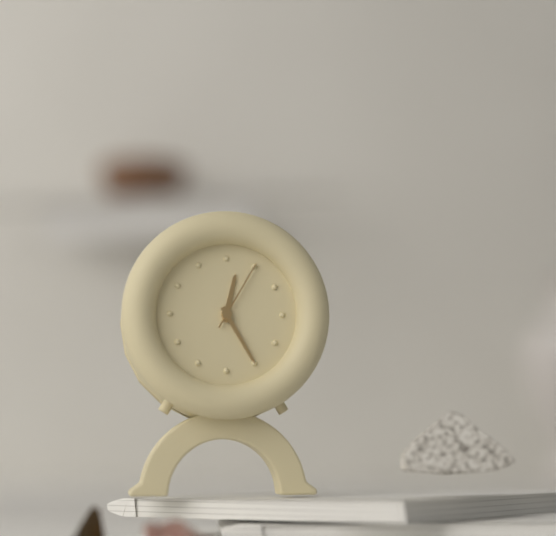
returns 12,25,05
